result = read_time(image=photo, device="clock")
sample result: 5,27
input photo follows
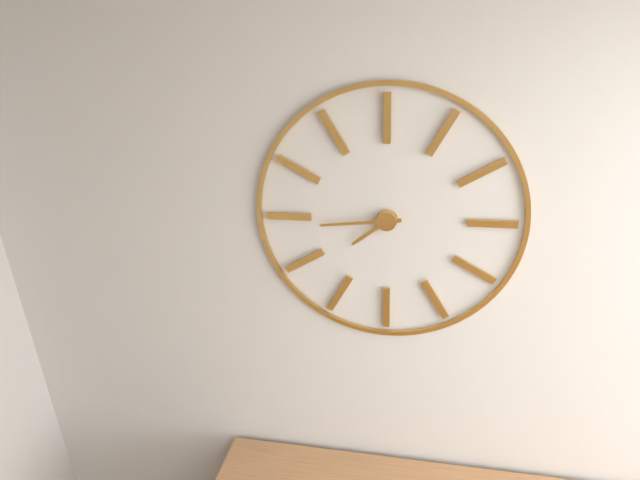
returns 7,44
